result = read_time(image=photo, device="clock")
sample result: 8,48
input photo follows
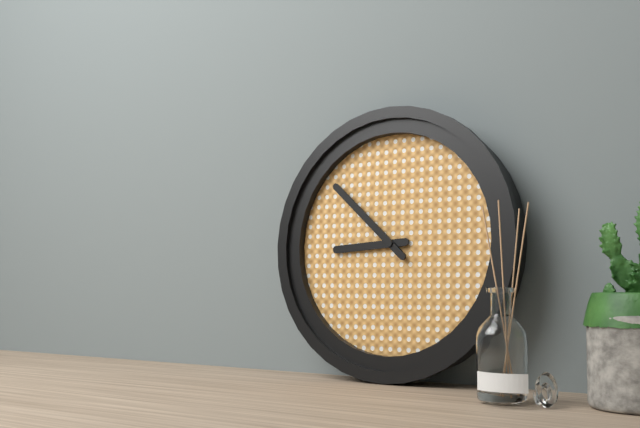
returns 8,52
